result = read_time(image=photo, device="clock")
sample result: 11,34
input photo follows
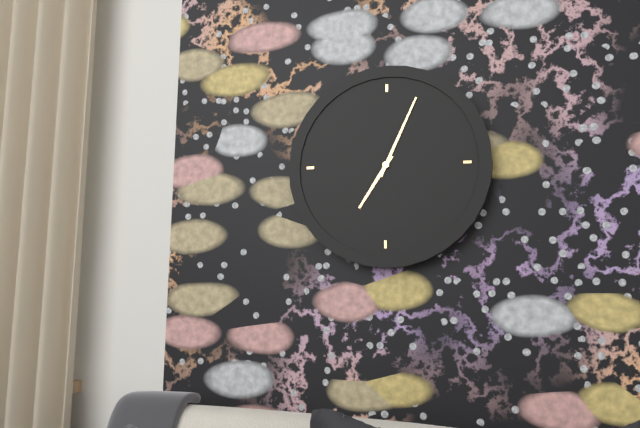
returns 7,04
